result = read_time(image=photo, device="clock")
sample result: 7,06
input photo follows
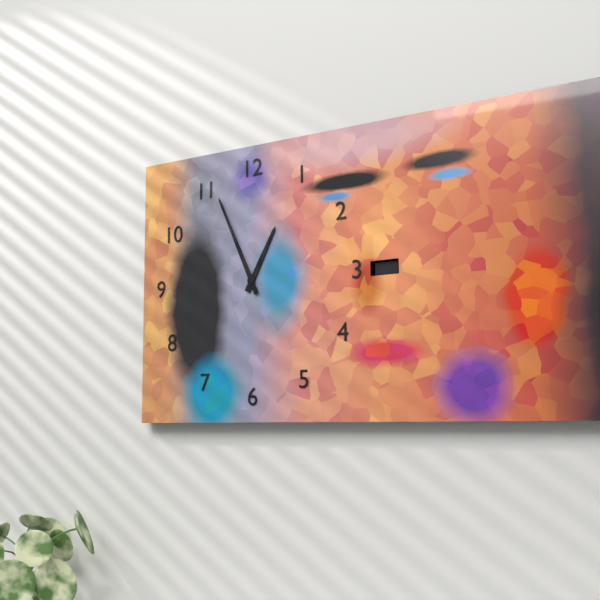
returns 12,56
